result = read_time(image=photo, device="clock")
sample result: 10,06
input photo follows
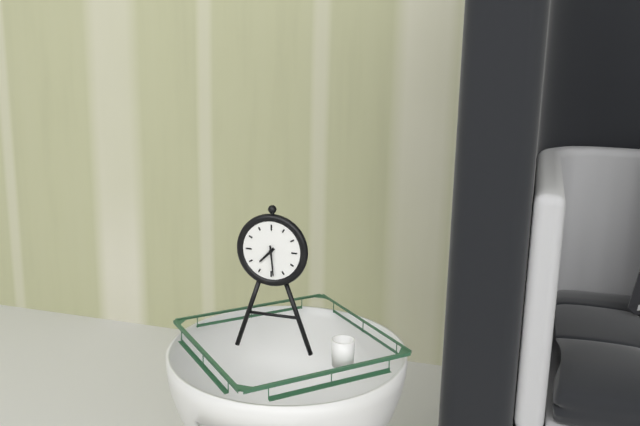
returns 7,29
